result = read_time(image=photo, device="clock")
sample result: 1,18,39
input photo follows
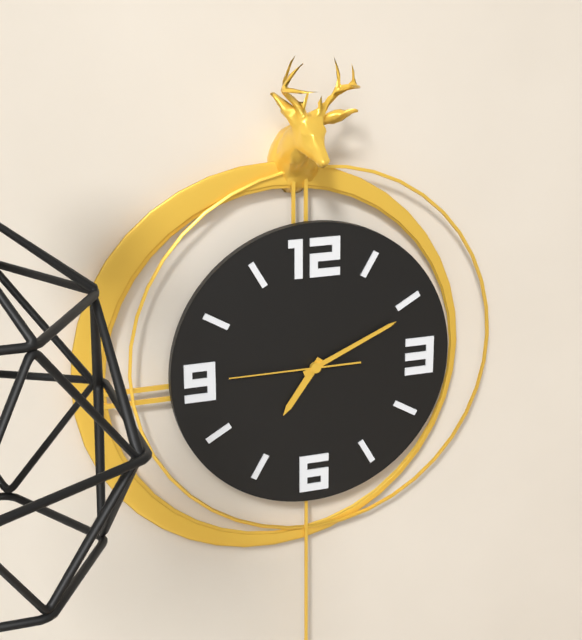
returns 7,11,45
